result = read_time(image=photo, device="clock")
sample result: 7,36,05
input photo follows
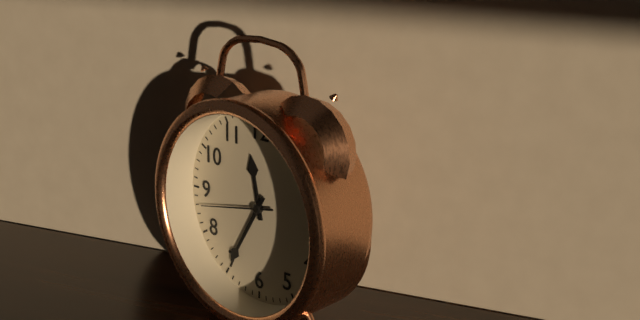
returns 11,35,43
